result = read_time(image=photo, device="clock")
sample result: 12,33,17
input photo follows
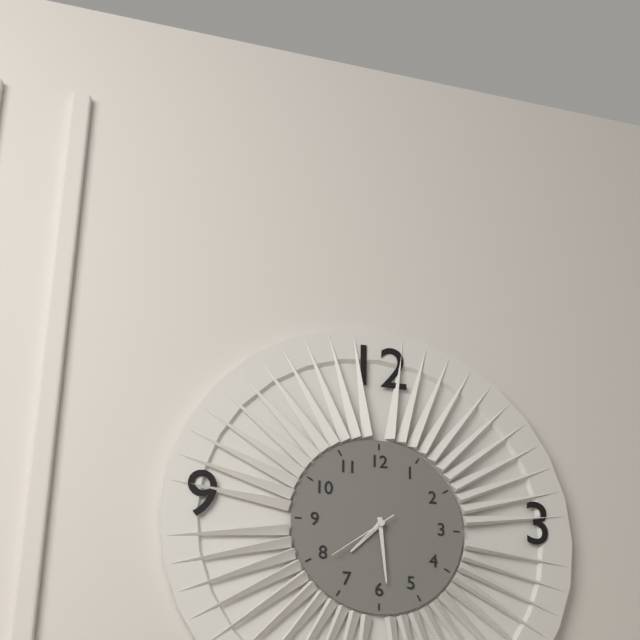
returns 7,29,39
